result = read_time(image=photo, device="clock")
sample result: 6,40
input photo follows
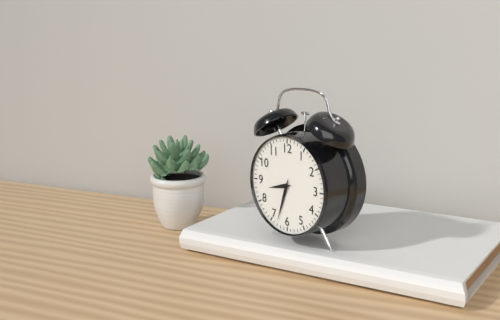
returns 8,33
